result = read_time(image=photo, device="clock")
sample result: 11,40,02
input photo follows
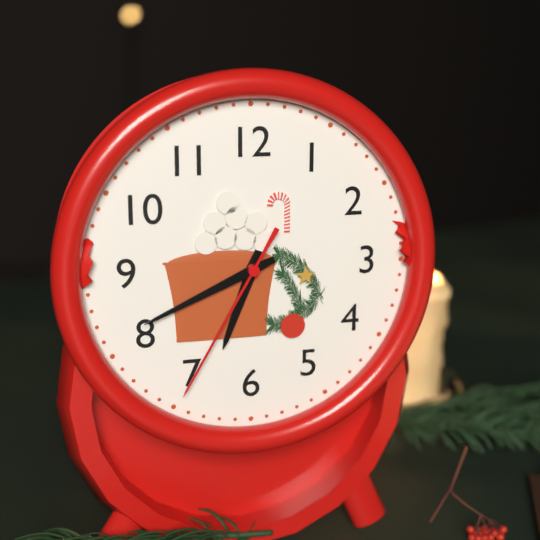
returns 6,41,35
